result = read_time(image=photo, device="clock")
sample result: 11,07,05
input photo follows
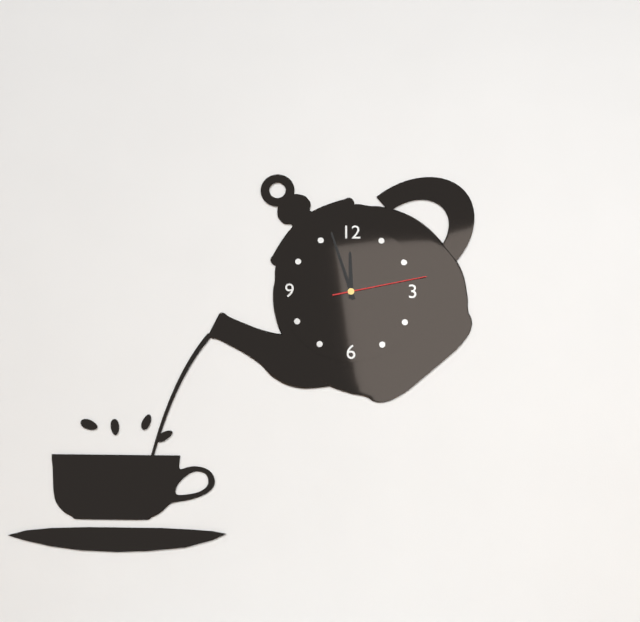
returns 11,57,13
